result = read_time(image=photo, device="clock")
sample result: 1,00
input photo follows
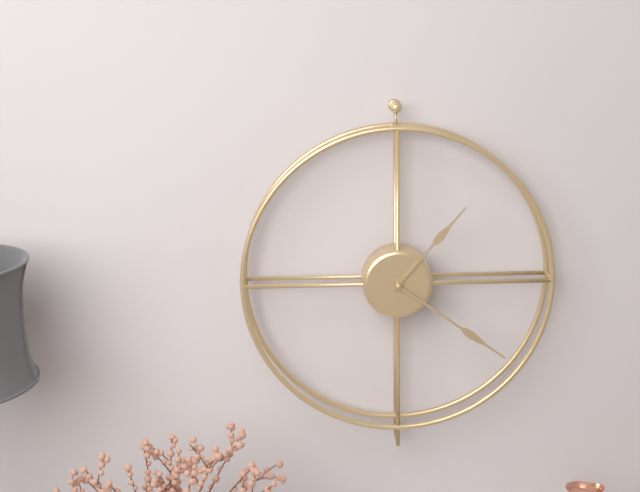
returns 1,21
